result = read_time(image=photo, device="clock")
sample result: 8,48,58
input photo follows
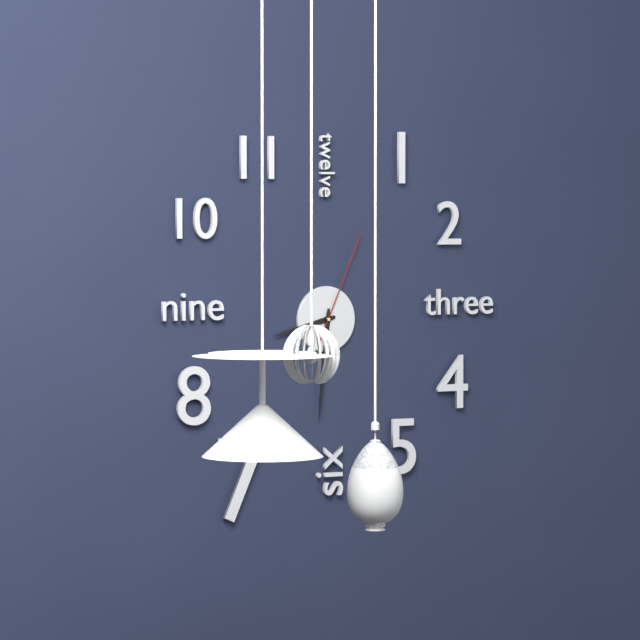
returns 8,31,04
